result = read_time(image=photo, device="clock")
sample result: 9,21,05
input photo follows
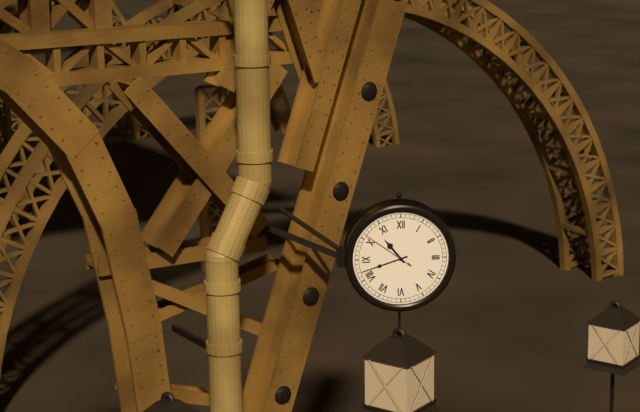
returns 10,42,51
